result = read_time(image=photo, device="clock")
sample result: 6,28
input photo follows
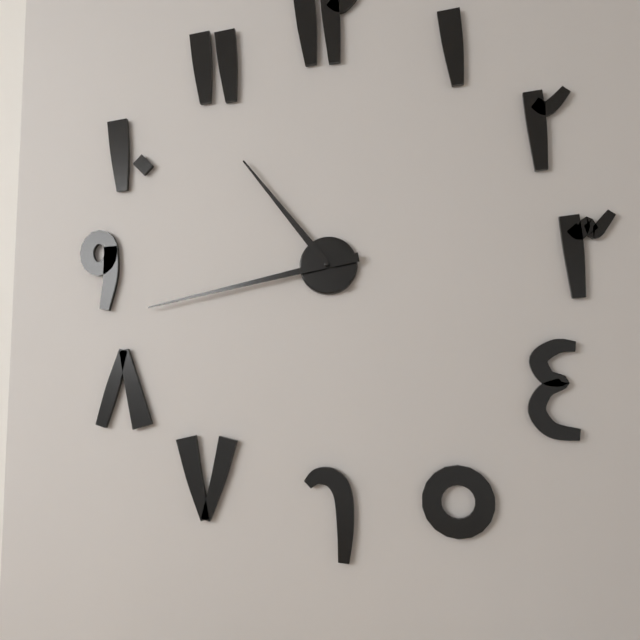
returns 10,43
